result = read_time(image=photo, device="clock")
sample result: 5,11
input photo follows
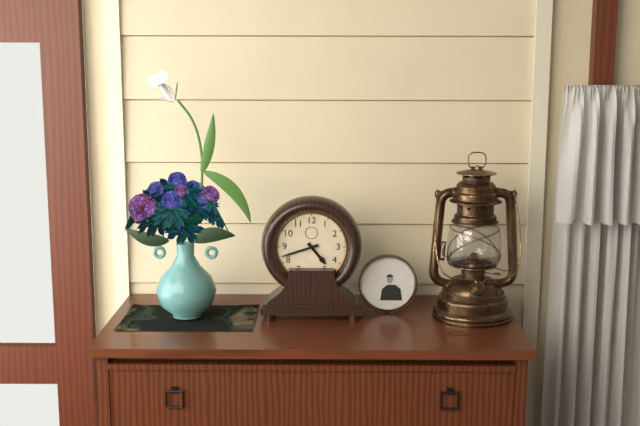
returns 4,42
